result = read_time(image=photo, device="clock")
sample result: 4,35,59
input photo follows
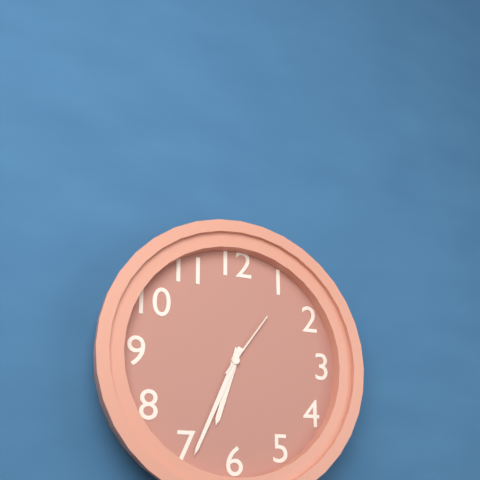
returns 6,34,06
